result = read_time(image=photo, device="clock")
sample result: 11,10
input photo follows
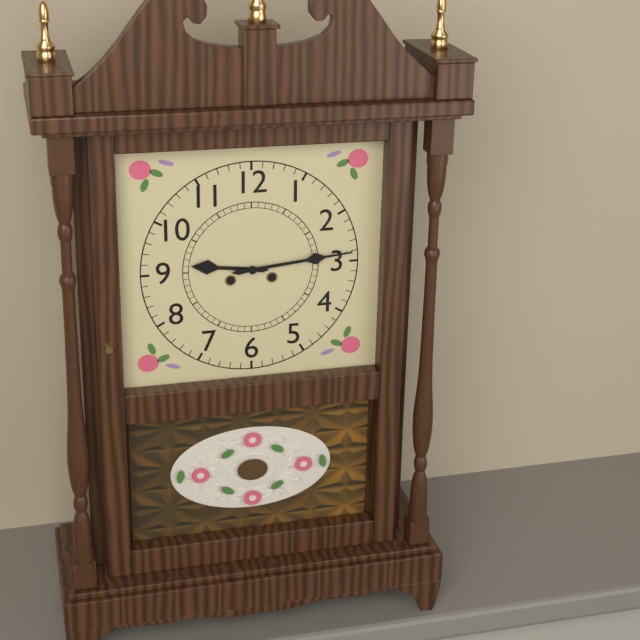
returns 9,14
